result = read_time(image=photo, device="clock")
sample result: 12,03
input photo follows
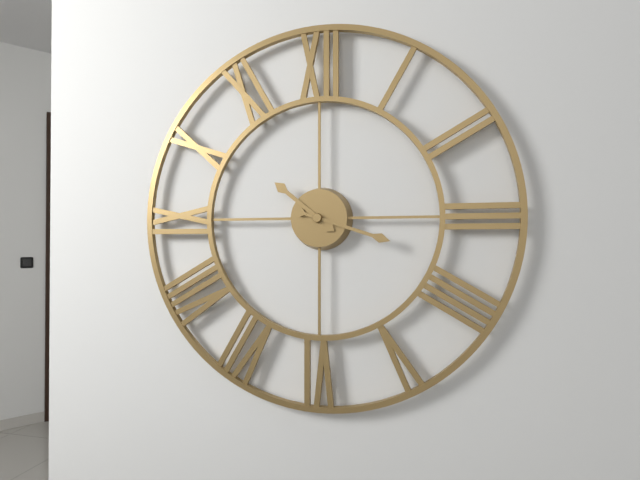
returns 10,18
